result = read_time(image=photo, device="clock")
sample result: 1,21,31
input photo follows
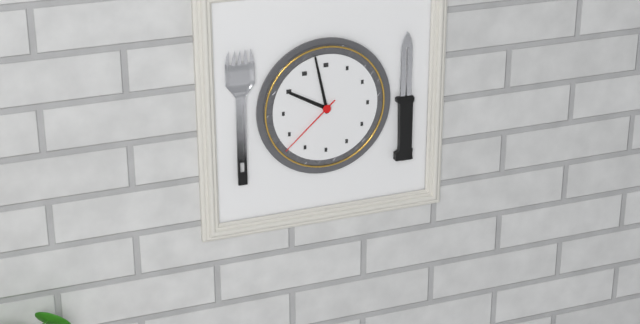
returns 9,58,38
